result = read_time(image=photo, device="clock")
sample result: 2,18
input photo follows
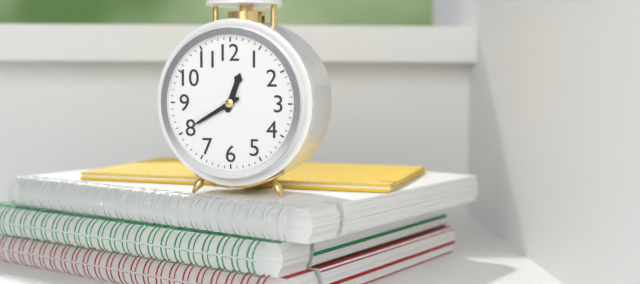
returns 12,40
